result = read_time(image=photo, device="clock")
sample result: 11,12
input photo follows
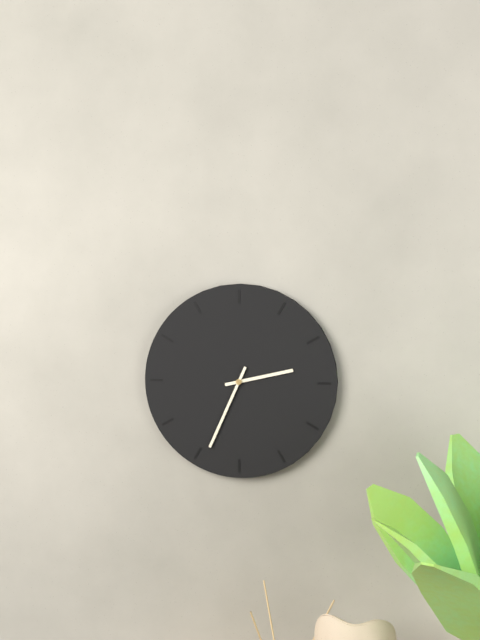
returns 2,34
